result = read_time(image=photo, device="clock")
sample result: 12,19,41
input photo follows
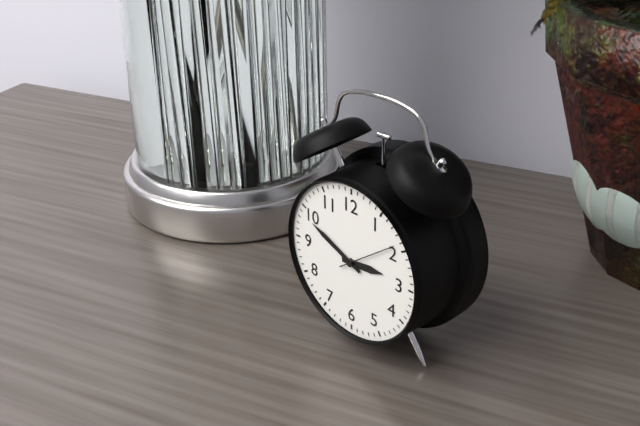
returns 2,49,09
